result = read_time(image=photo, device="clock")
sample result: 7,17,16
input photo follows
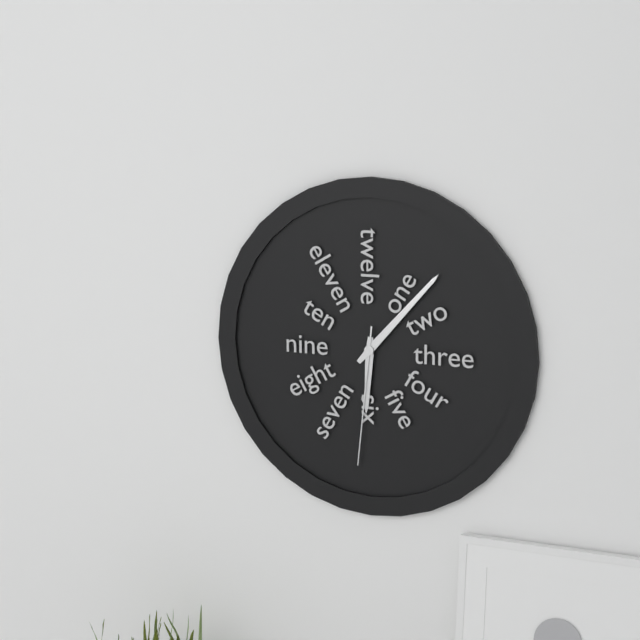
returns 6,07,31
